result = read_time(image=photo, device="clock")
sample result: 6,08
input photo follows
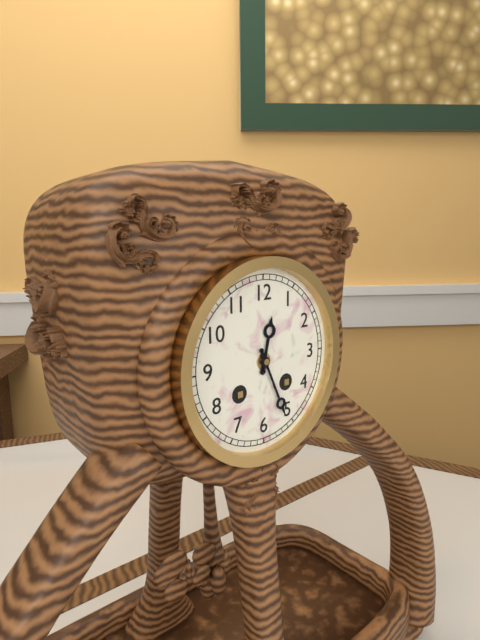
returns 12,26
